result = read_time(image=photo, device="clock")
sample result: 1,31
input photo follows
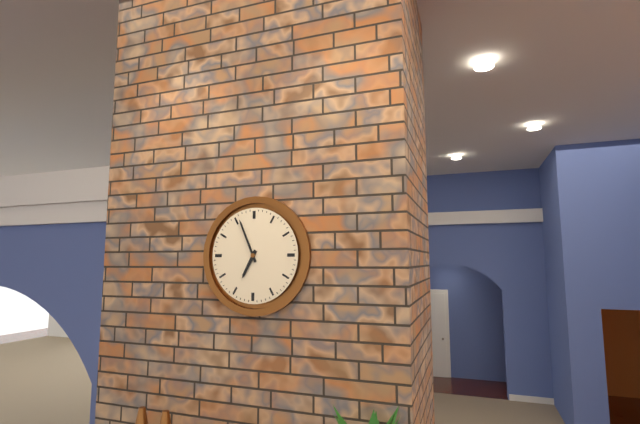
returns 6,56
